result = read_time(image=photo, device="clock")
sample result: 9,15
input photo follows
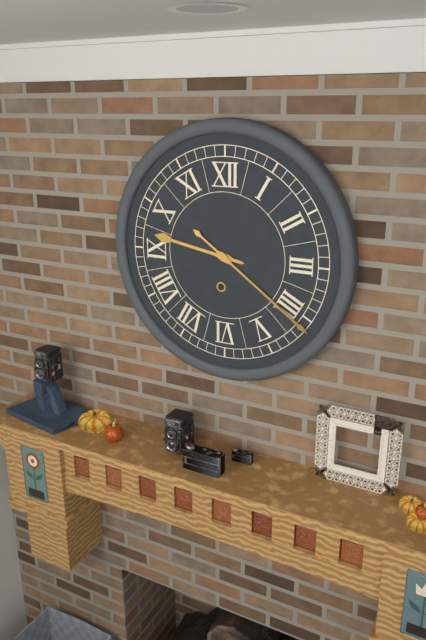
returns 9,21
